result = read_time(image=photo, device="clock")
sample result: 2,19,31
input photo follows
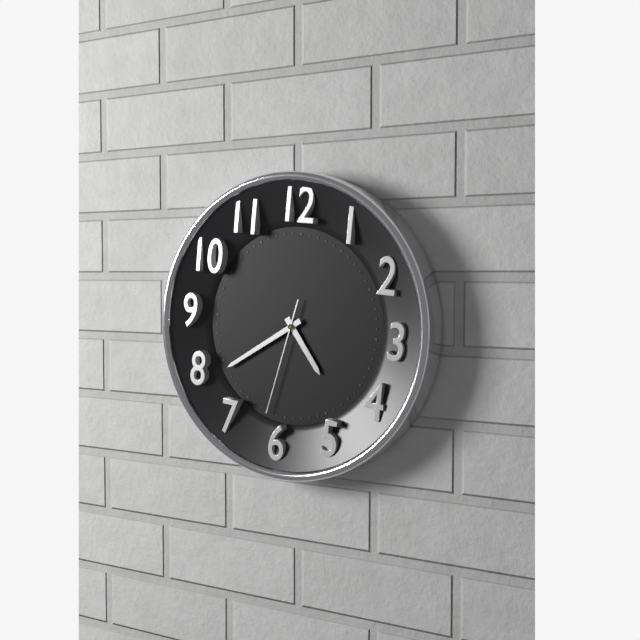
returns 4,39,32
